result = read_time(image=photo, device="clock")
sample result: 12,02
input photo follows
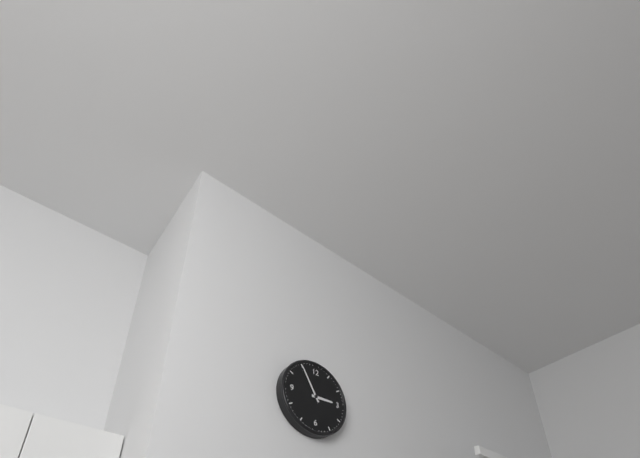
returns 2,55
